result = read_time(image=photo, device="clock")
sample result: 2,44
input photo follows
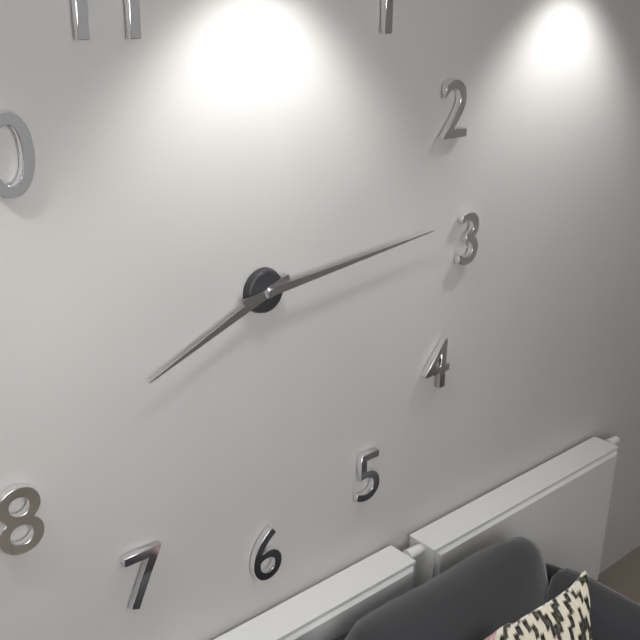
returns 8,14
